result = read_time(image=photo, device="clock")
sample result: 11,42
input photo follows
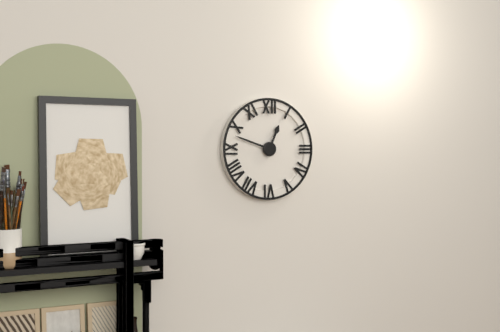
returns 12,48
